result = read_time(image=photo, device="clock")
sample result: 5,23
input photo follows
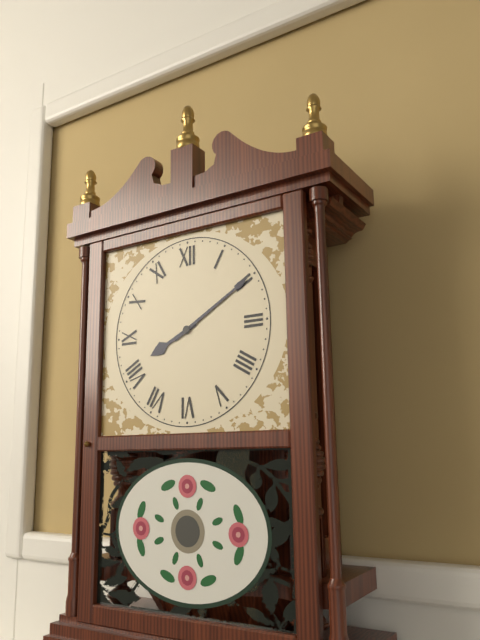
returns 8,10
